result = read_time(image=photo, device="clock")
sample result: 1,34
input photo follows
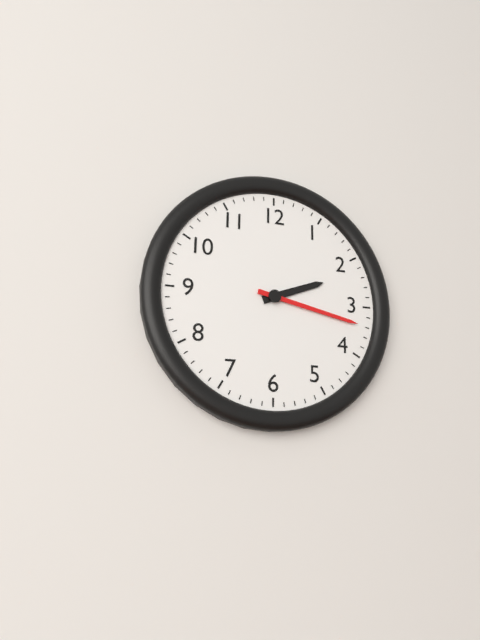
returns 2,17
